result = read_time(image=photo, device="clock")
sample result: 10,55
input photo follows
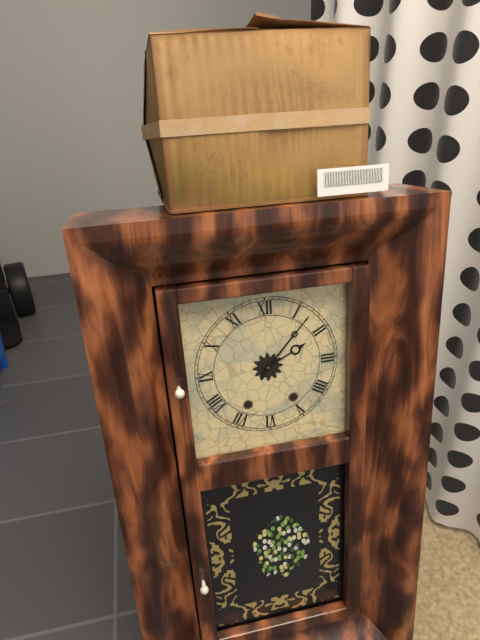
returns 2,07
